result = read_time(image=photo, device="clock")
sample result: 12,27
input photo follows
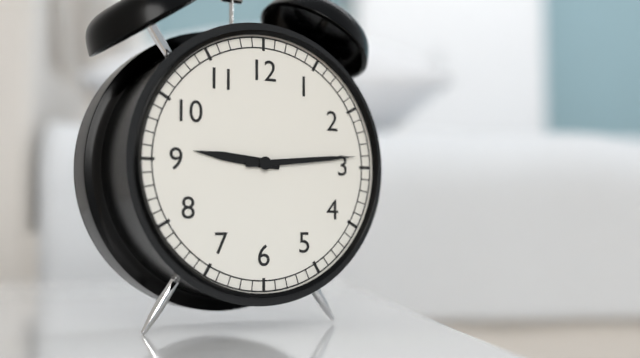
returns 9,14
